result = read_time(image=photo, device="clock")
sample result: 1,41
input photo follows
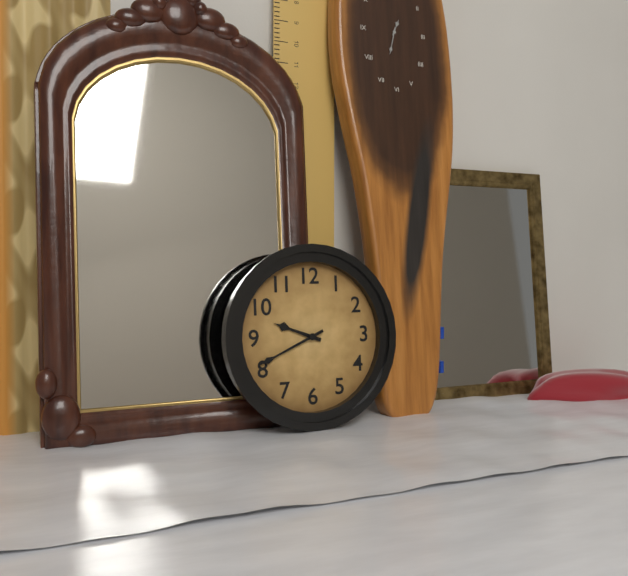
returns 9,41
